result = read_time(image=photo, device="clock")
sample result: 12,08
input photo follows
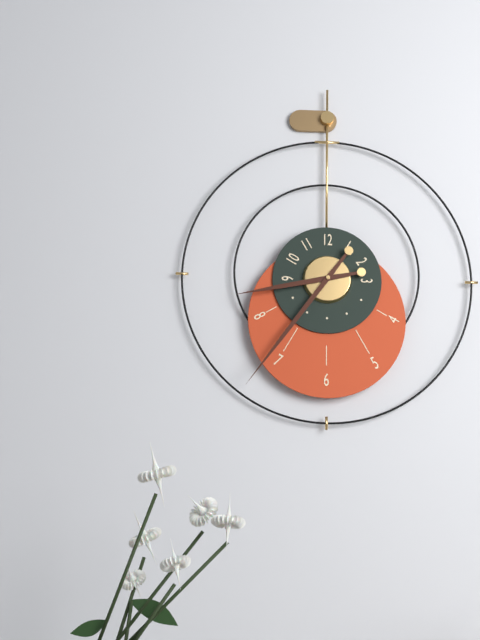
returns 8,36
